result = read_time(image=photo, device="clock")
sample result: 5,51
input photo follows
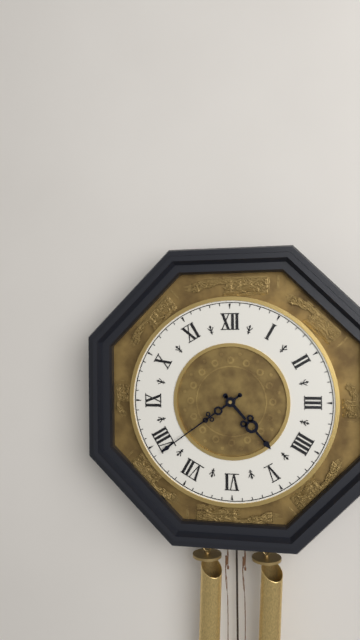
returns 4,39
